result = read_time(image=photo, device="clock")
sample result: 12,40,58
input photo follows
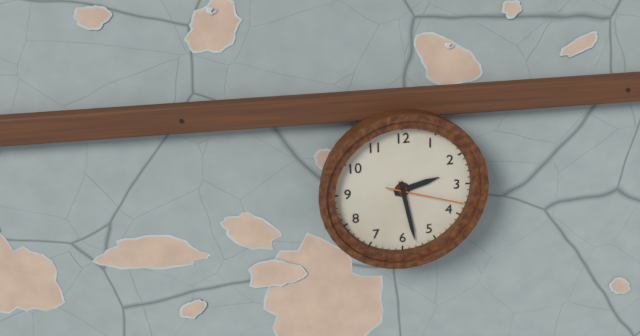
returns 2,28,18
